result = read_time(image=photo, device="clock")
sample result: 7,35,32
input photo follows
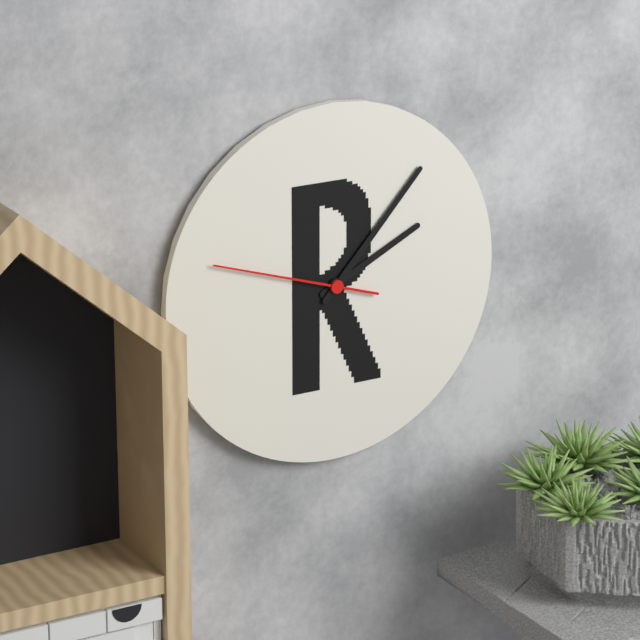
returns 2,07,48
